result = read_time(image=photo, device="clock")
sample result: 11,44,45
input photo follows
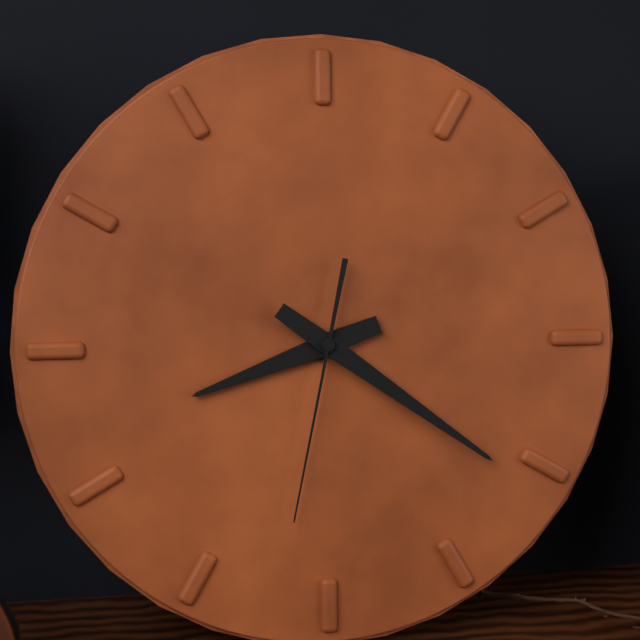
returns 8,21,32
